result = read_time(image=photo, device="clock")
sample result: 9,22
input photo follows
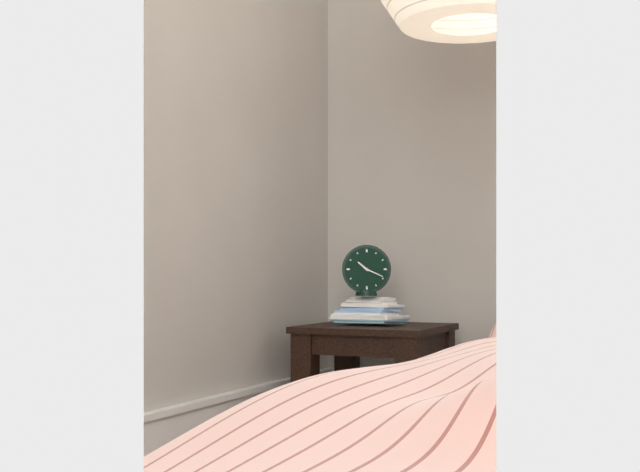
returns 10,19
